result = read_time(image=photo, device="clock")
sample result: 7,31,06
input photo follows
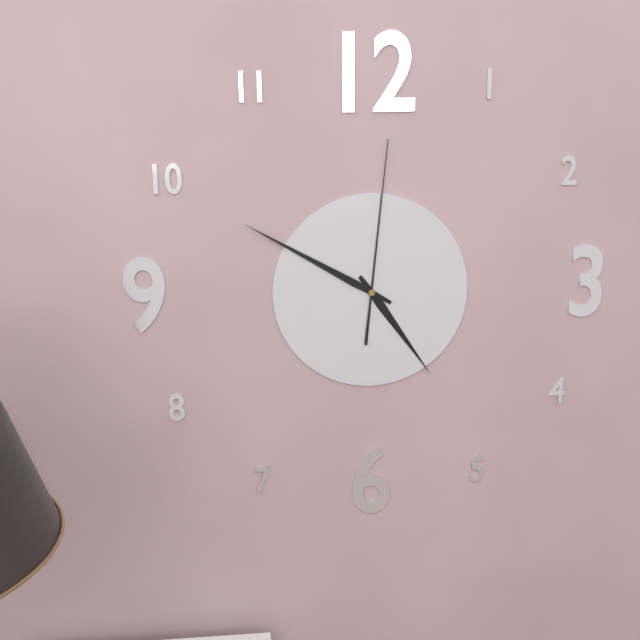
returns 4,50,01
